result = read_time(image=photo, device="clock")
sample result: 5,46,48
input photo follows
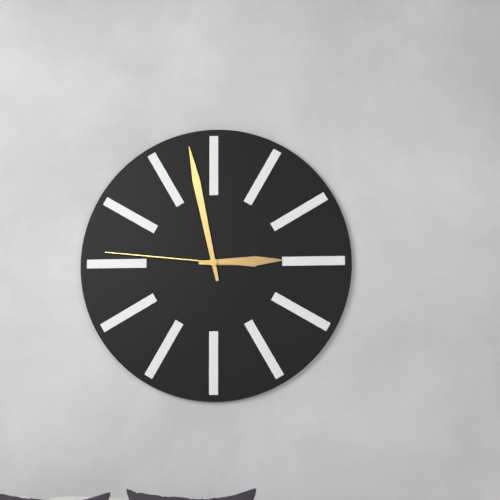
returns 2,58,46
